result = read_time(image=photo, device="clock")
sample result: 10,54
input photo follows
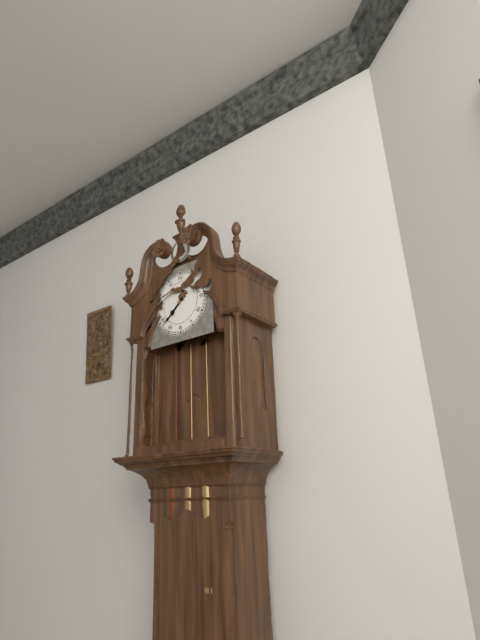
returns 7,38
